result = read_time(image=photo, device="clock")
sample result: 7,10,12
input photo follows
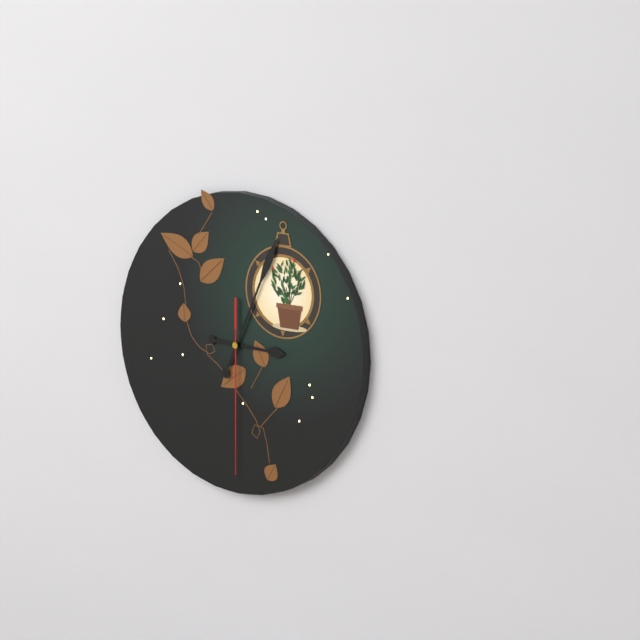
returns 3,04,30
